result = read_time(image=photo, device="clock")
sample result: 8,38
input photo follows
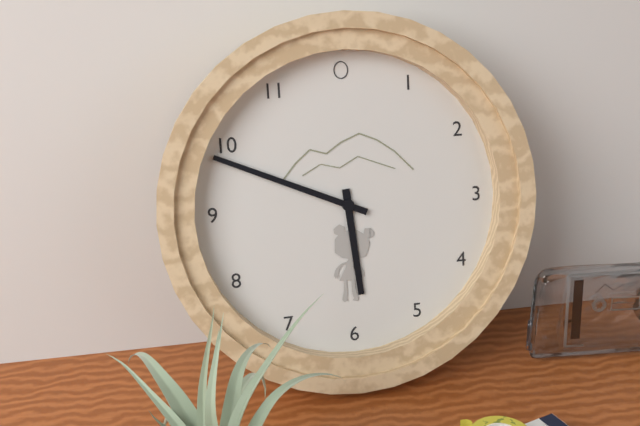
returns 5,49
